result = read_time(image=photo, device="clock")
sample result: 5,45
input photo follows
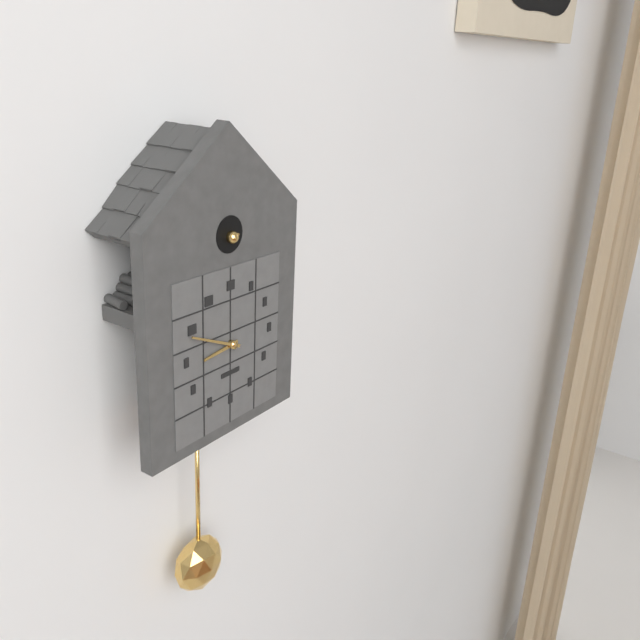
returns 8,49
